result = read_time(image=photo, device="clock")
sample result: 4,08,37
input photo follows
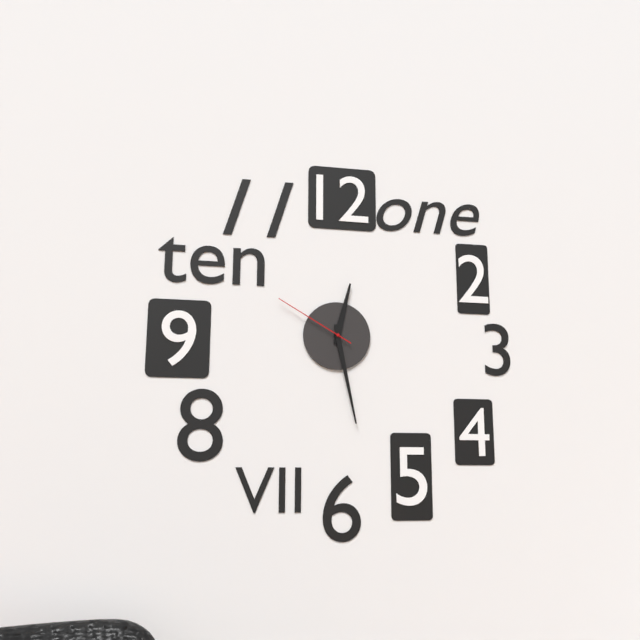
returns 12,28,50
